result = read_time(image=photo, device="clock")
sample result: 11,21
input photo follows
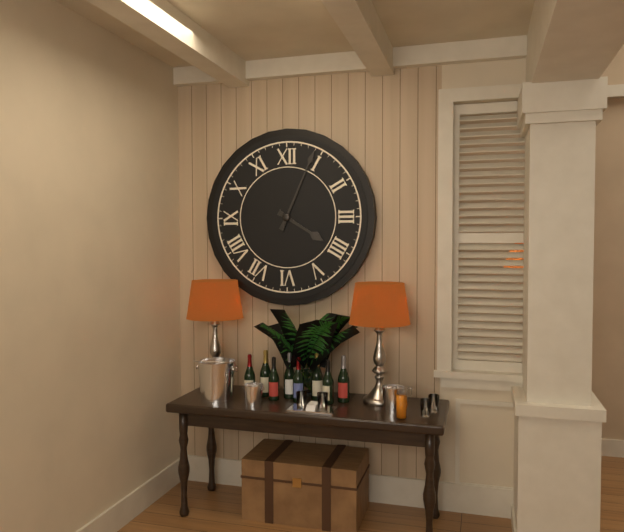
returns 4,04
